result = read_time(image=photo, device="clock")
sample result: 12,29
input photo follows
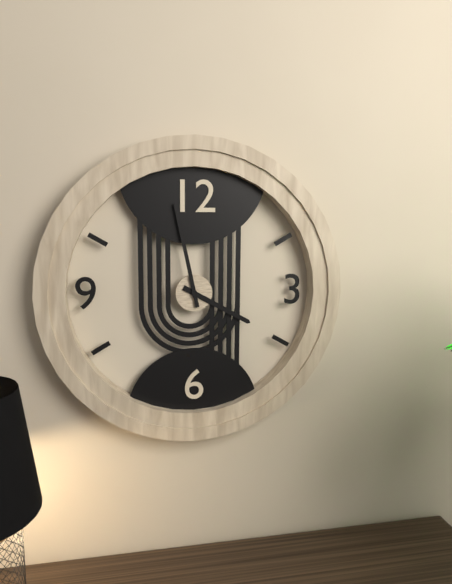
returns 3,58
